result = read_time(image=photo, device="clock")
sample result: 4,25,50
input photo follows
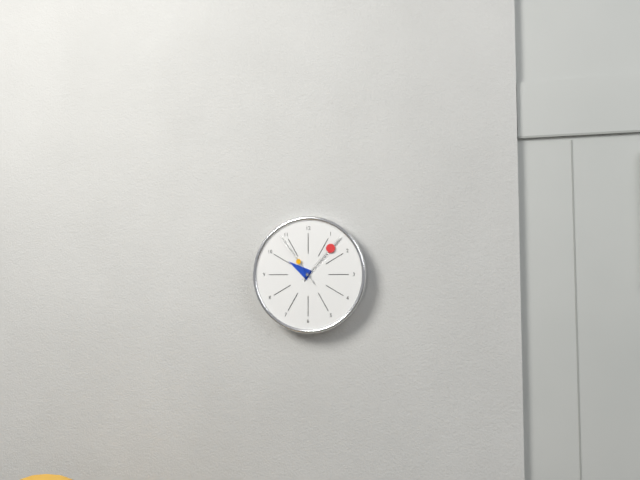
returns 10,07,54
